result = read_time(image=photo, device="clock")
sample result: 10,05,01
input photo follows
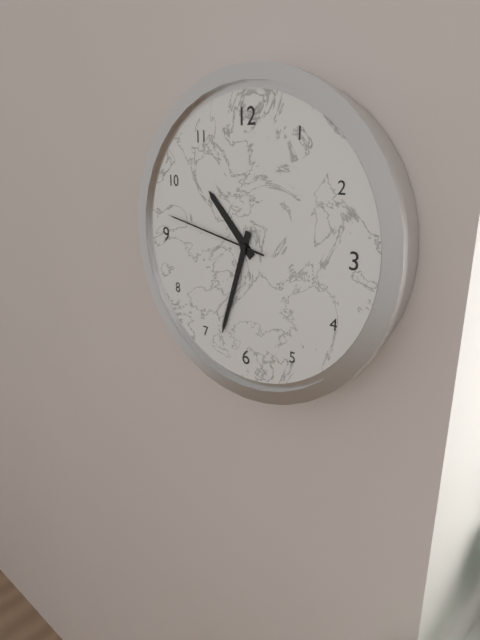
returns 10,33,47
